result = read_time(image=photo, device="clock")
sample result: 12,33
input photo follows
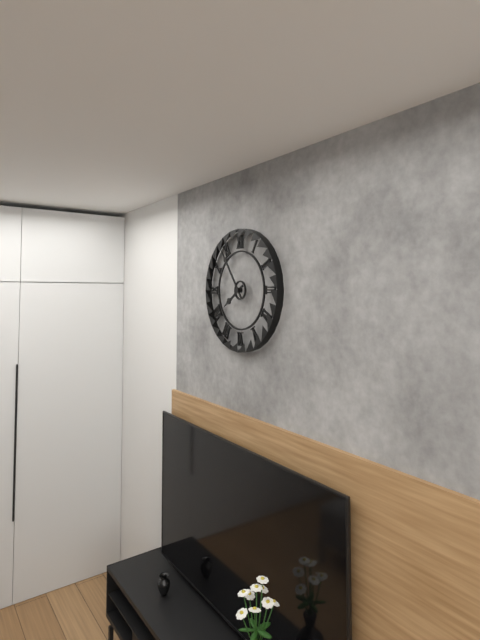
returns 7,54
